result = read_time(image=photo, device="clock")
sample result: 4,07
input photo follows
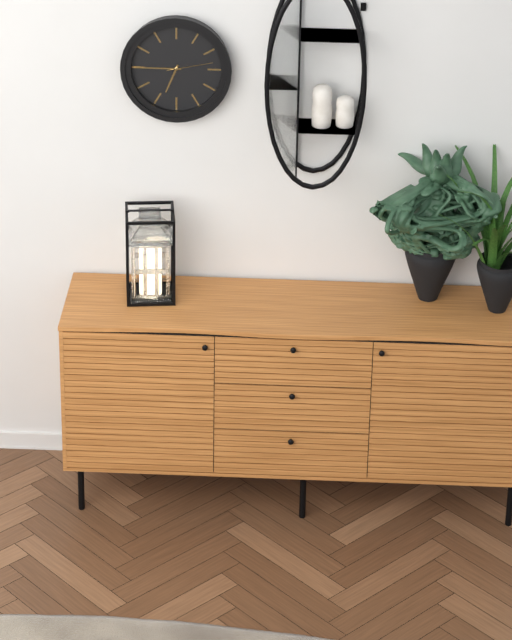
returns 6,45
